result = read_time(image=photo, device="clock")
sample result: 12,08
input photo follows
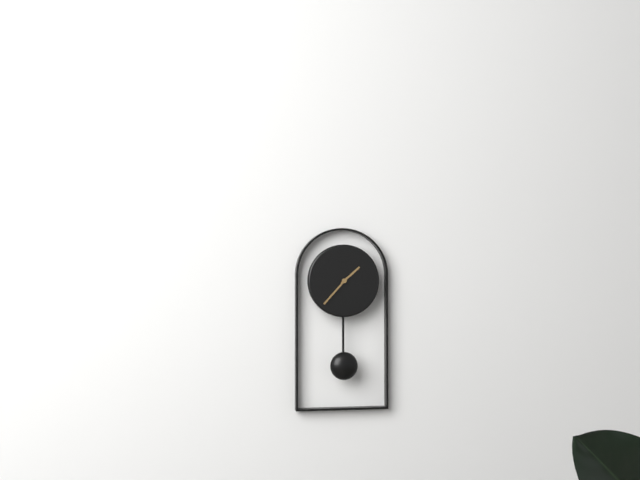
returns 1,37
